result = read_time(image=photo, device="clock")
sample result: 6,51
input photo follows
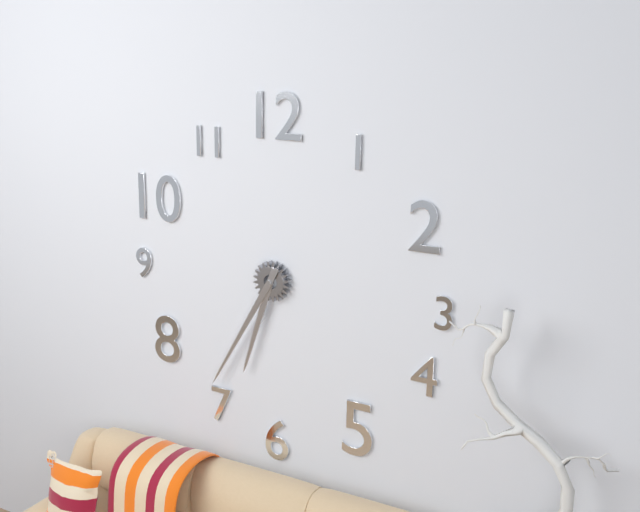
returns 6,35
